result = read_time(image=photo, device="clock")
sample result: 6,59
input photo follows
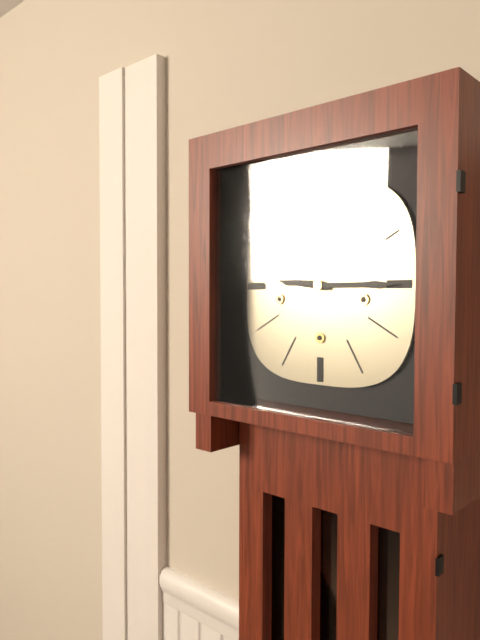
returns 9,15
